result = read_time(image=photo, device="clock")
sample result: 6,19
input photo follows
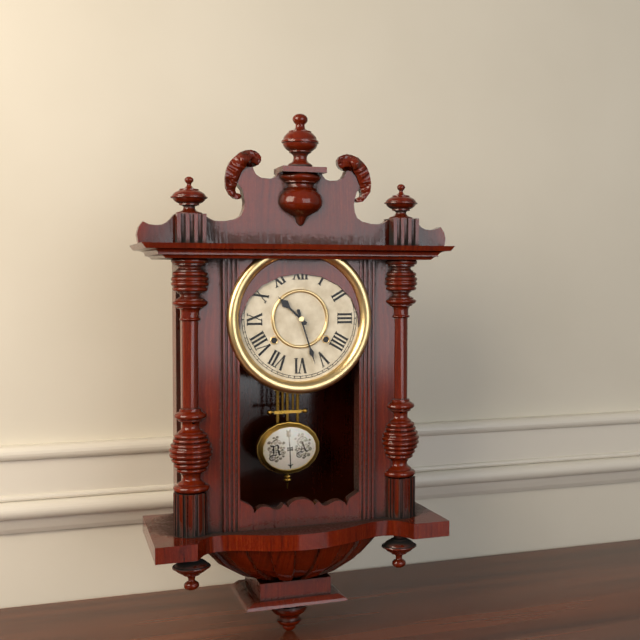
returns 10,27
